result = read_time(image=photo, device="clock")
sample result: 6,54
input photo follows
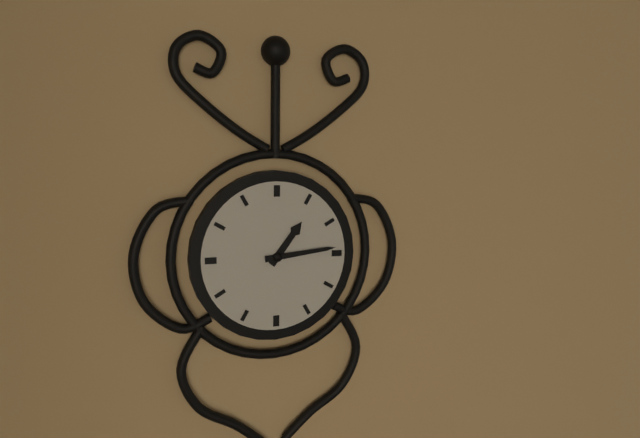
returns 1,14
